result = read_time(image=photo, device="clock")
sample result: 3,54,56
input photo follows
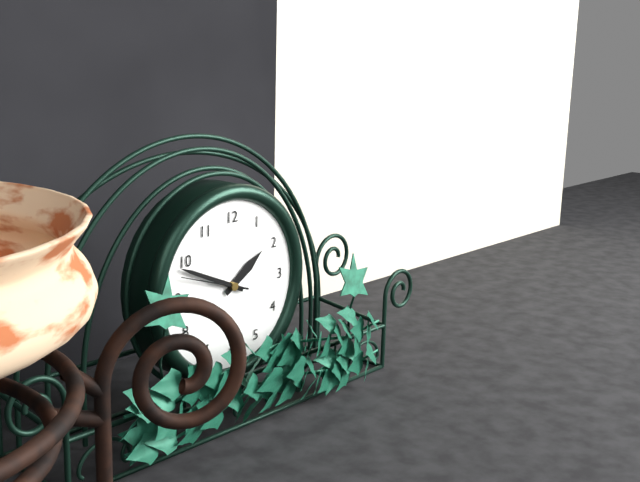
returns 1,49,48
